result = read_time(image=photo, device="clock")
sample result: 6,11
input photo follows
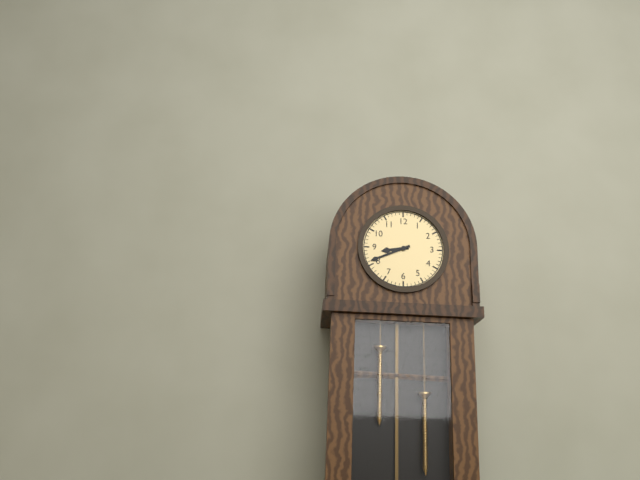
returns 8,41
